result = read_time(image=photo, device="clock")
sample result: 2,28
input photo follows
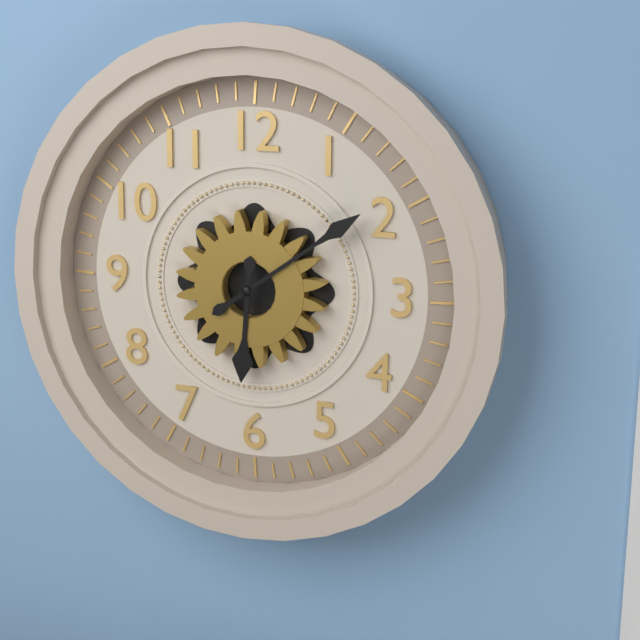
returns 6,09
